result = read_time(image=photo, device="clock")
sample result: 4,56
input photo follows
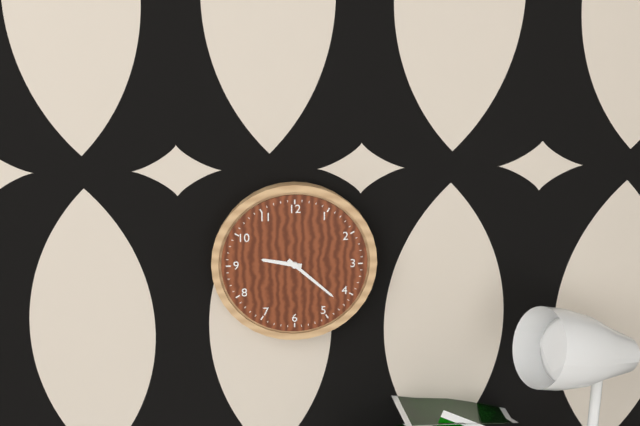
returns 9,22
